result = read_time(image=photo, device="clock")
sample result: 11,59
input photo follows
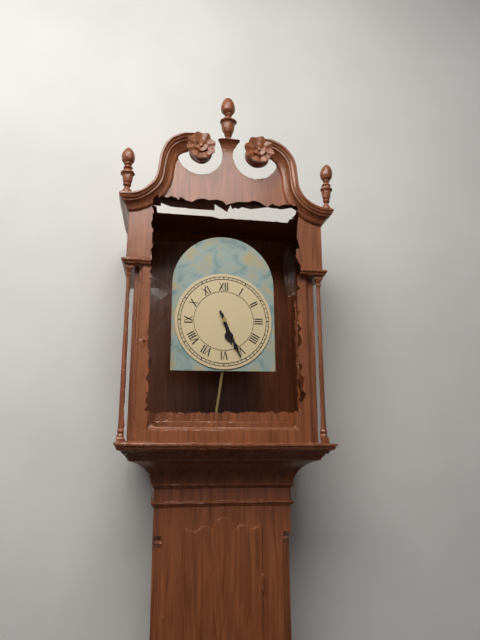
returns 5,26
